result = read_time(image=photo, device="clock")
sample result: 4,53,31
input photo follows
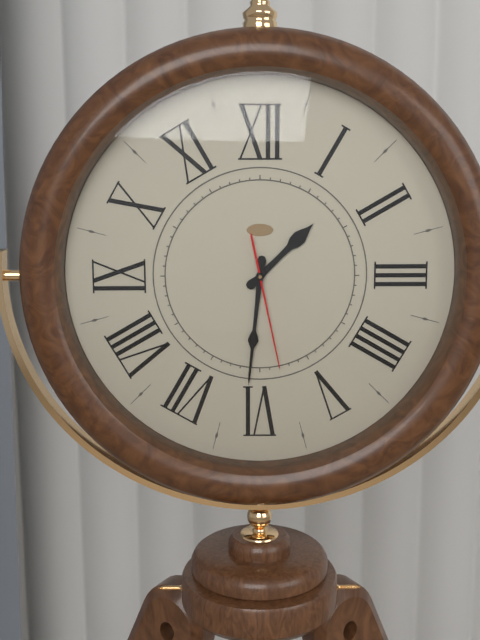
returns 1,31,28
